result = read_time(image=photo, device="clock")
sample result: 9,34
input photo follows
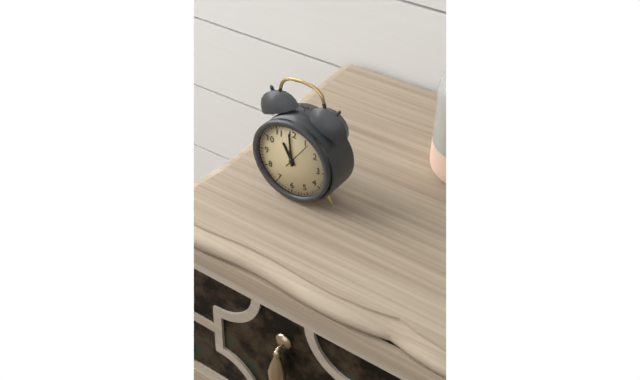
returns 10,59
